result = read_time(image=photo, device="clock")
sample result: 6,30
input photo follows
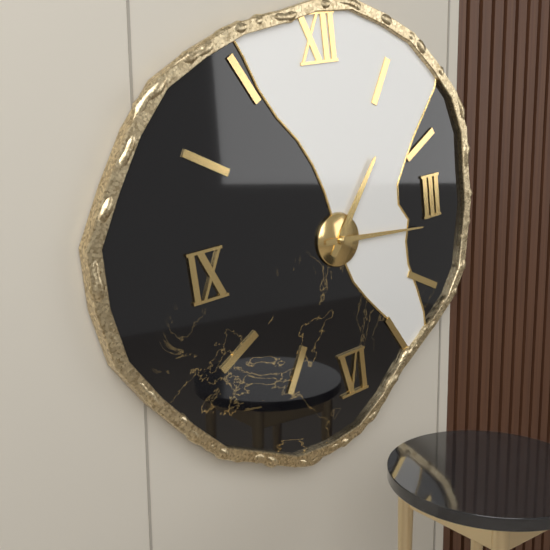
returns 1,16
